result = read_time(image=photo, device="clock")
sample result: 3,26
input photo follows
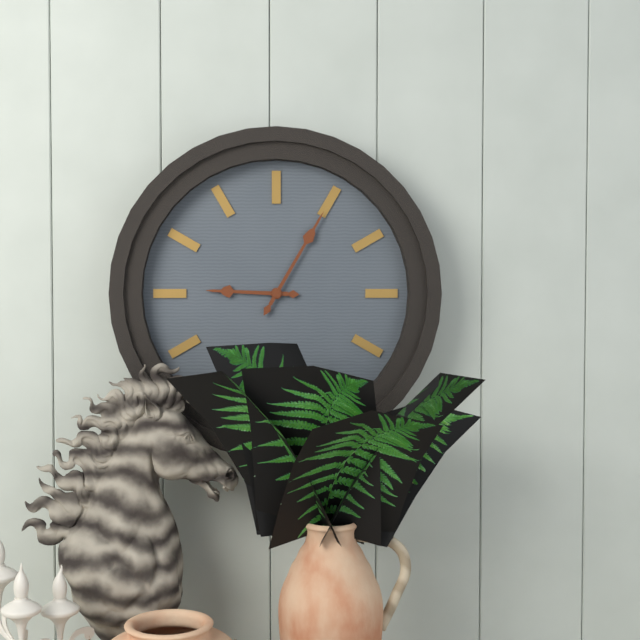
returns 9,05
